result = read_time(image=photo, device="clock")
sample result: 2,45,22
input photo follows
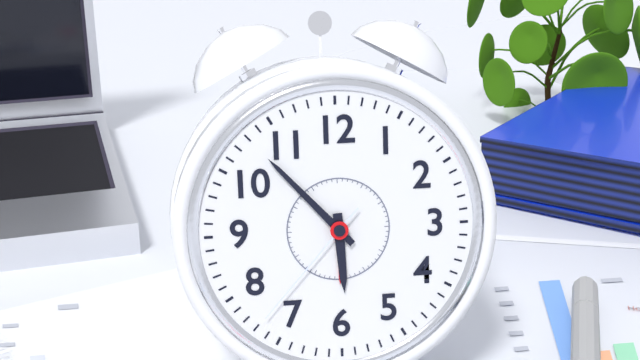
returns 5,53,37
